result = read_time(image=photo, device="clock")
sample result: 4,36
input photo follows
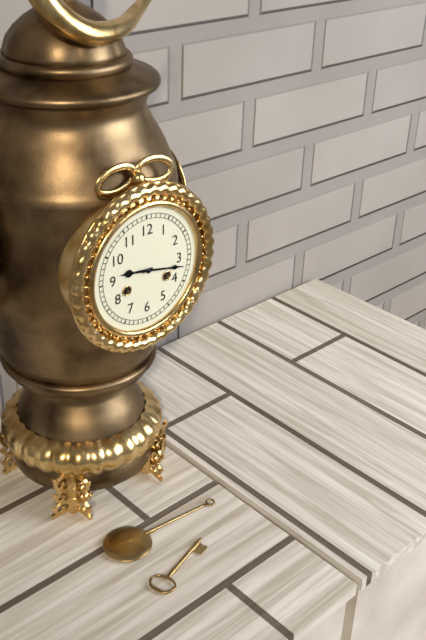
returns 9,17
